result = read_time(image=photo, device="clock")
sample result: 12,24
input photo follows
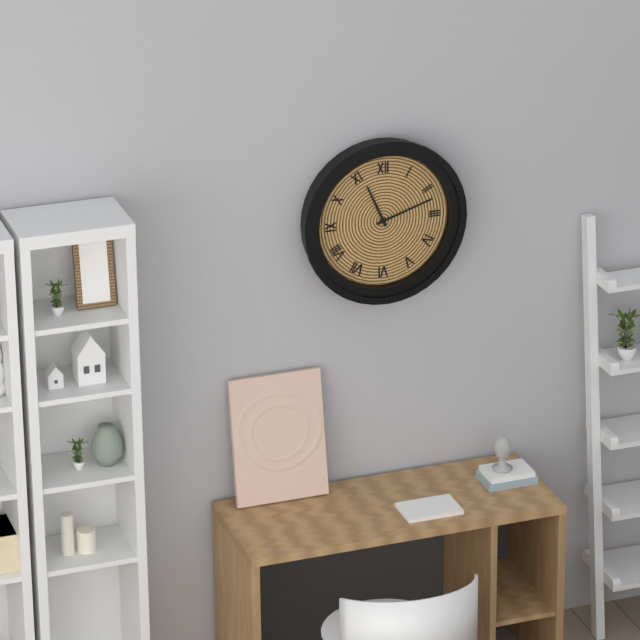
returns 11,12
